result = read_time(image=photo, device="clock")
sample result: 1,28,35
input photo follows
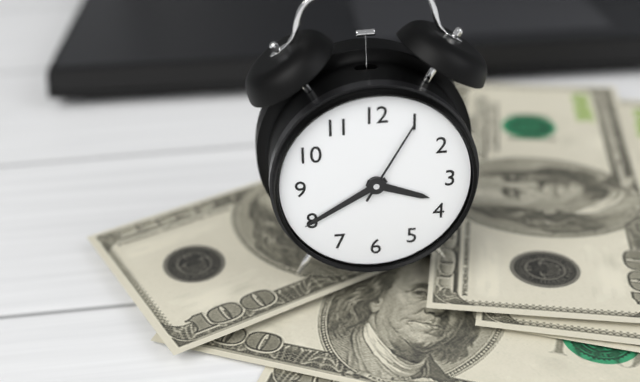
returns 3,40,05
